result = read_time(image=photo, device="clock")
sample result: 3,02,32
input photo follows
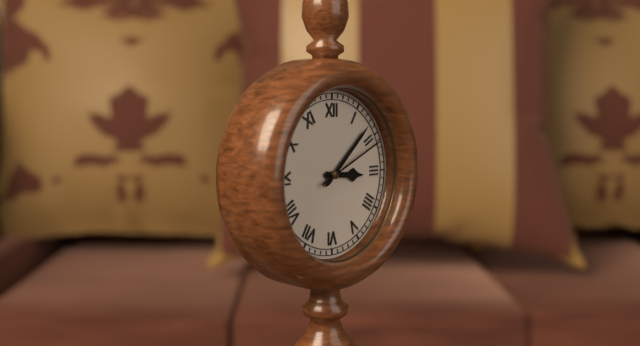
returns 3,08,11
